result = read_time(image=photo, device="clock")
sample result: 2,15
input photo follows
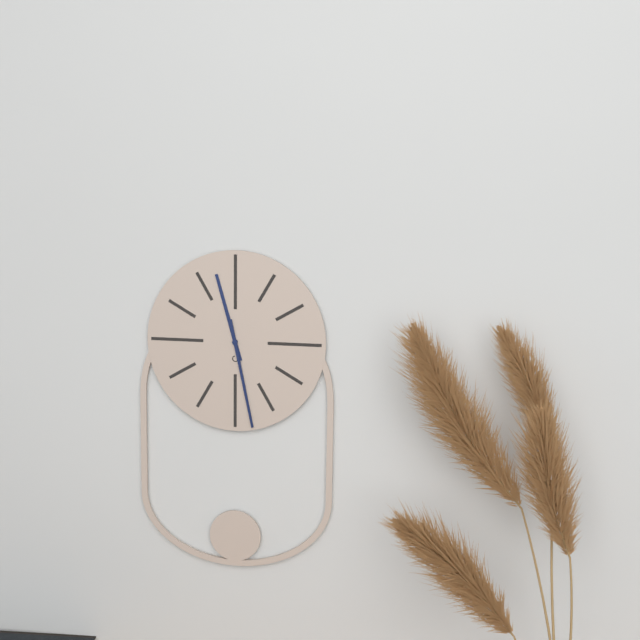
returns 11,28
